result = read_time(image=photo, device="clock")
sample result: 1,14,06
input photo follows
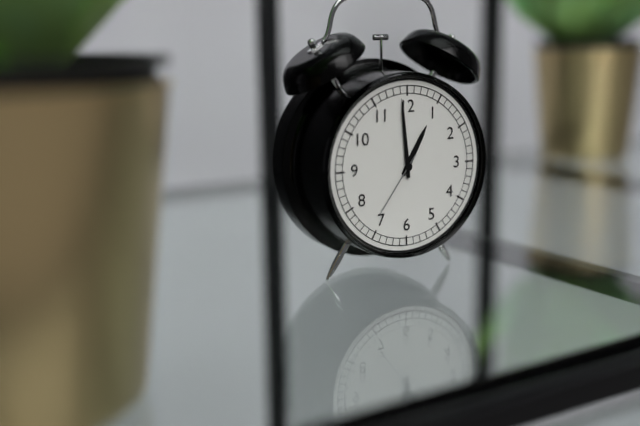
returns 12,59,36
